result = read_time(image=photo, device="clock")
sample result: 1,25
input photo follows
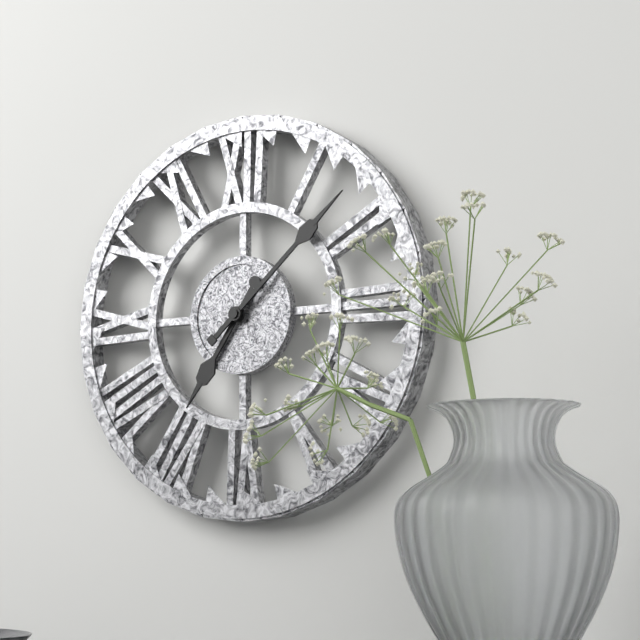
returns 7,08
